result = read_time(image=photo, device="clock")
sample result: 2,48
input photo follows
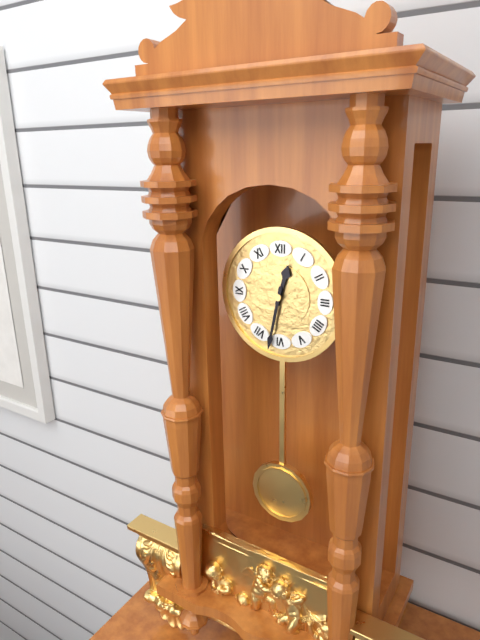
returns 12,32
